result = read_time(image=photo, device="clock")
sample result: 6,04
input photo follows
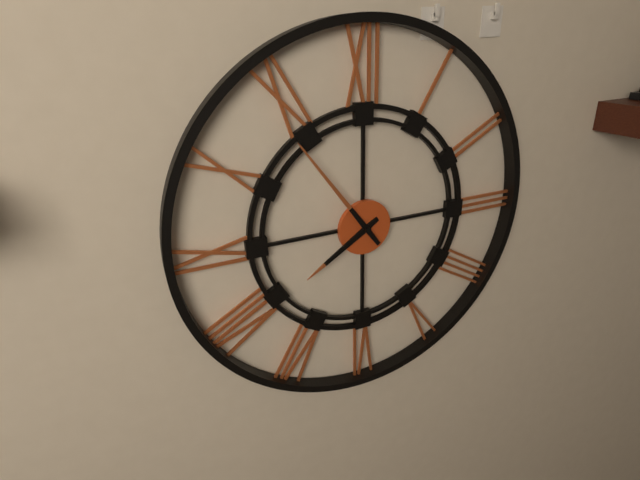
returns 7,54
